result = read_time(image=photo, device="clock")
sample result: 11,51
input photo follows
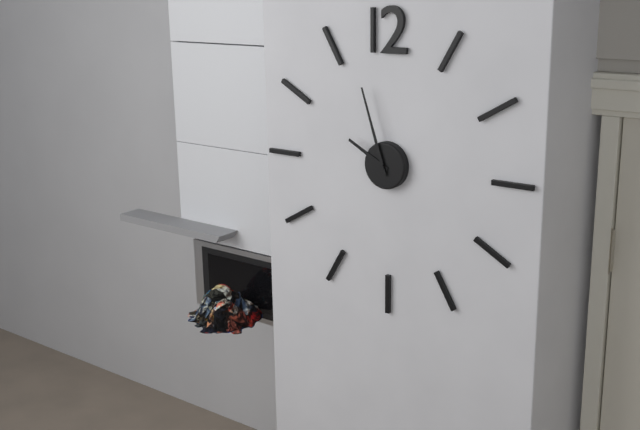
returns 9,57
